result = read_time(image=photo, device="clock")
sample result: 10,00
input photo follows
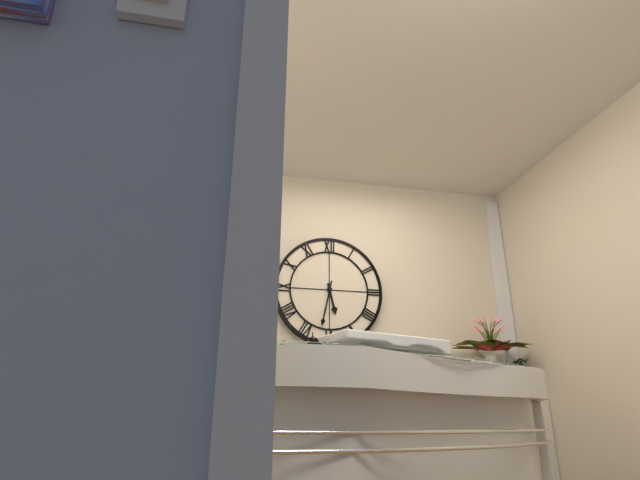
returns 5,32
